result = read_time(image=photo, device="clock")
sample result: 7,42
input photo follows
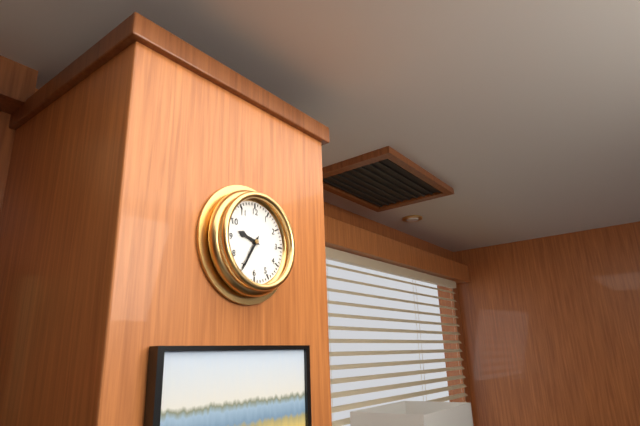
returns 9,35
